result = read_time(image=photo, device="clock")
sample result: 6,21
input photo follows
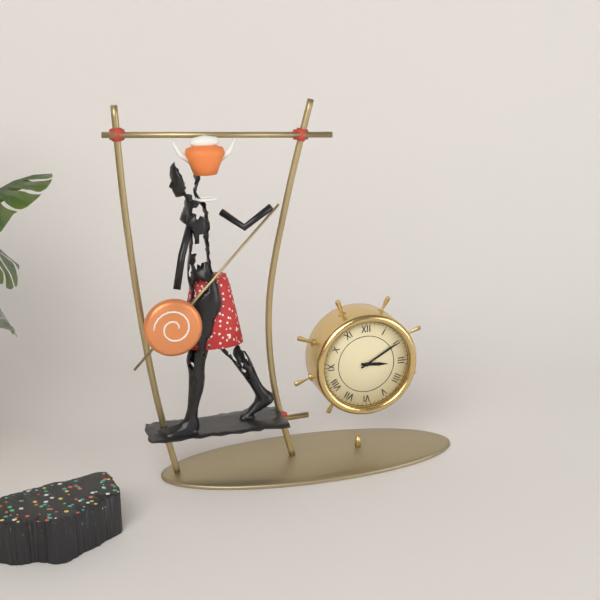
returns 3,10
